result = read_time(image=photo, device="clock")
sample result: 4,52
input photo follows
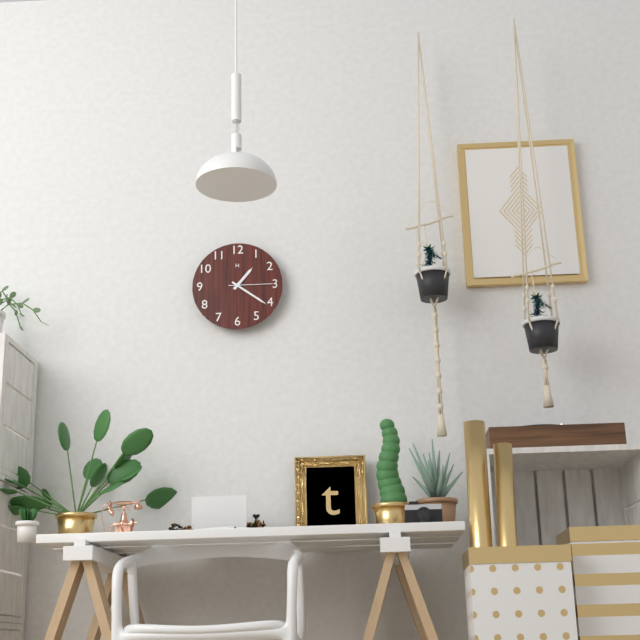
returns 1,21
